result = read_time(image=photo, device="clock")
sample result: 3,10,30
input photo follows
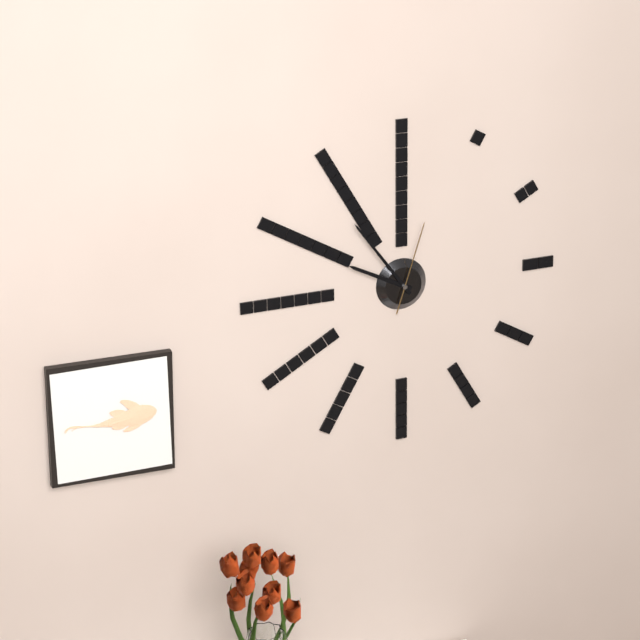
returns 9,54,03
